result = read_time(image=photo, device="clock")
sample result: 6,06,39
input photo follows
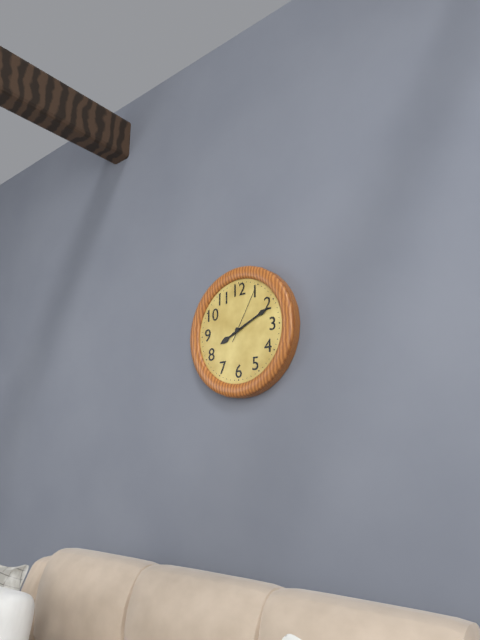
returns 8,11,05
